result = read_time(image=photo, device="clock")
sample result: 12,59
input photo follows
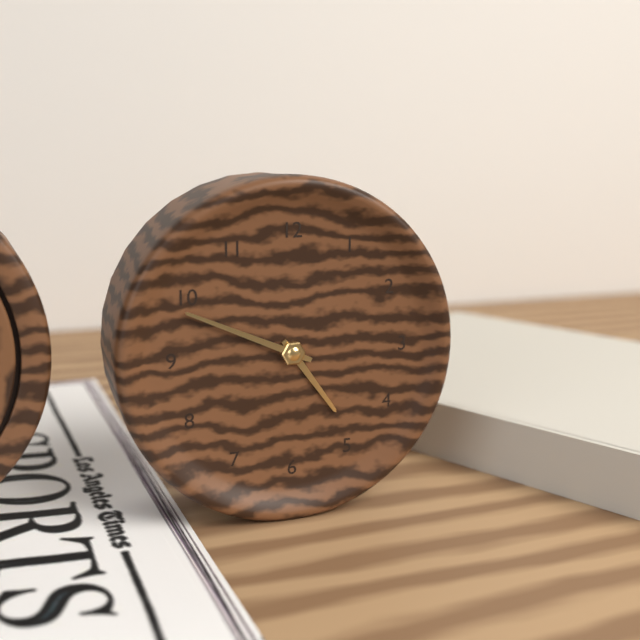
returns 4,49
